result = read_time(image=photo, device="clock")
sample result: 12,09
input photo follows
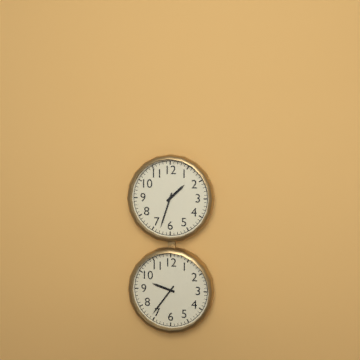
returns 1,33
